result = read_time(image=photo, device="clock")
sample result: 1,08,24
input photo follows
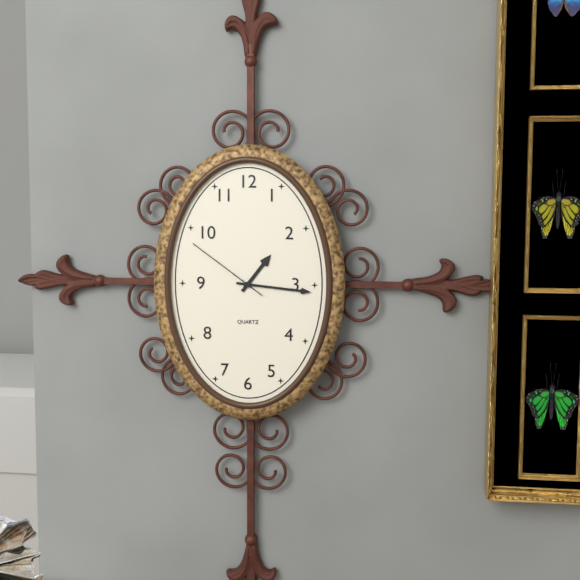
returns 1,16,51
